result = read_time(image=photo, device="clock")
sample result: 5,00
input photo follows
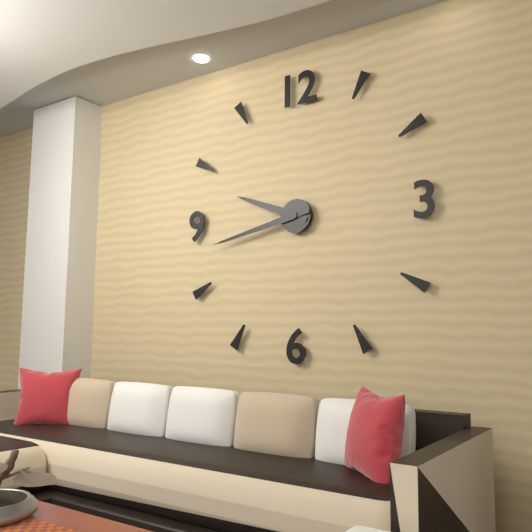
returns 9,43
